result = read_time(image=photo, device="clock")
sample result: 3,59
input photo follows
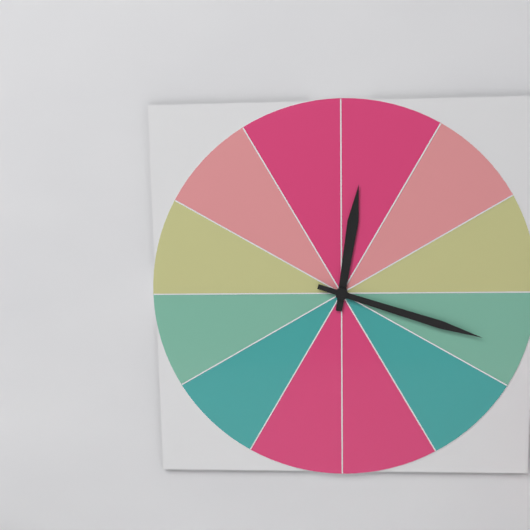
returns 12,18
